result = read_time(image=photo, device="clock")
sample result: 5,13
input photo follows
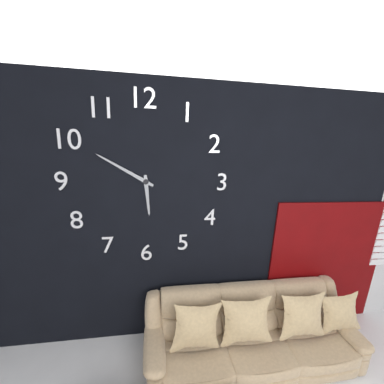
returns 5,50
